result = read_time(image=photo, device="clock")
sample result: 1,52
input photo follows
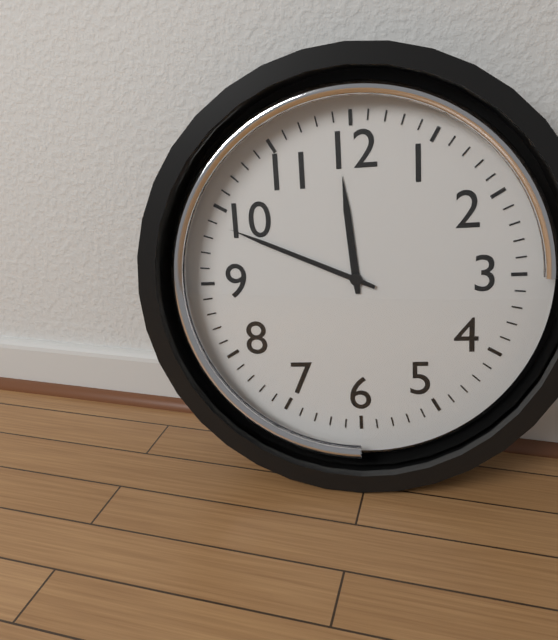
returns 11,49
